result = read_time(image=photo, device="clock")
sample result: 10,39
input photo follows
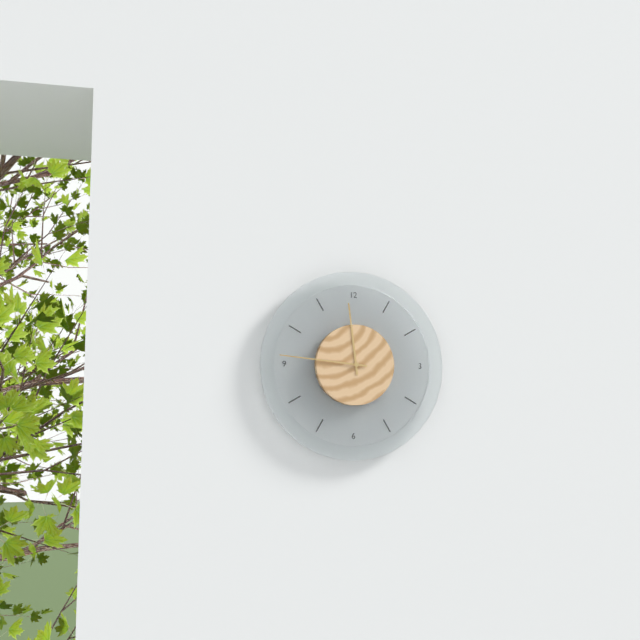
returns 11,46
